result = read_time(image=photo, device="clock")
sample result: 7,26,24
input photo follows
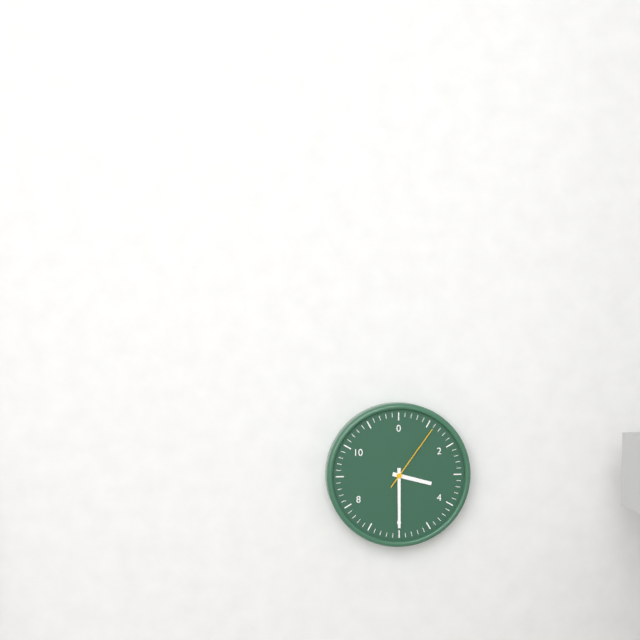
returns 3,30,06
